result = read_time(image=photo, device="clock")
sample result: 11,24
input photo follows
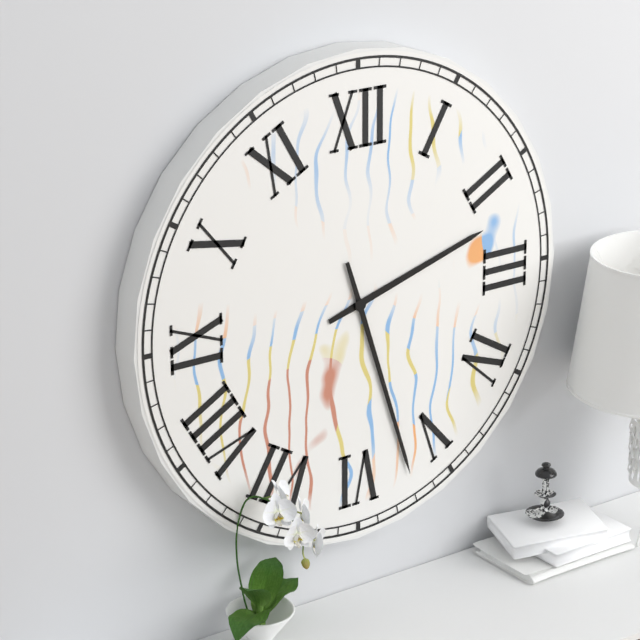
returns 2,27
